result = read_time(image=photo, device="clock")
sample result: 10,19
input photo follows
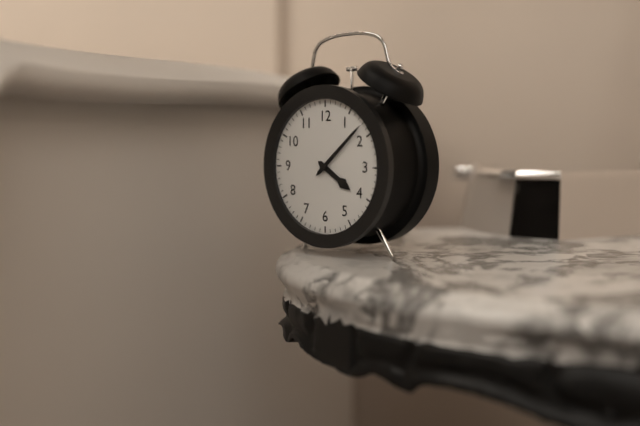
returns 4,08
